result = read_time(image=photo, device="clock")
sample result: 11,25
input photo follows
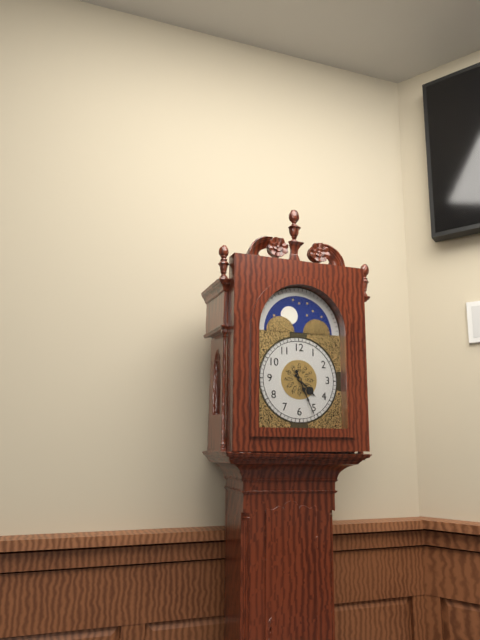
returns 4,26
